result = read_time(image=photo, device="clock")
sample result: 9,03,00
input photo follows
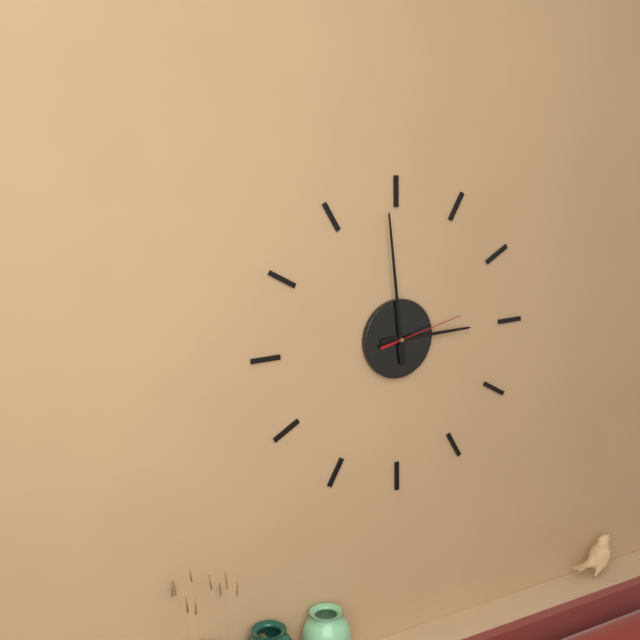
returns 2,59,13
